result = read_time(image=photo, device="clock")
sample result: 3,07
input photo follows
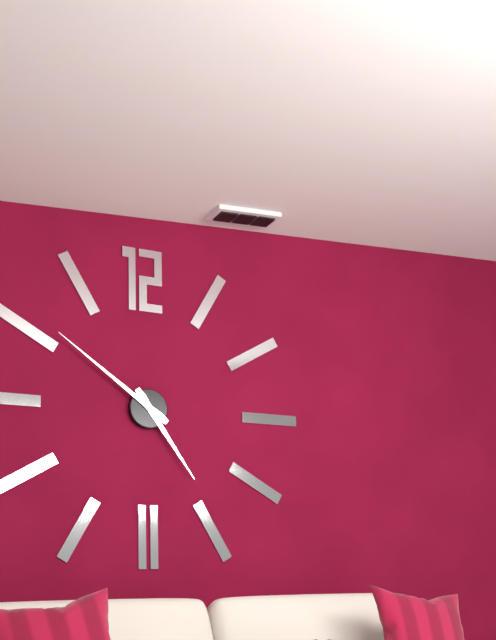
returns 4,51
